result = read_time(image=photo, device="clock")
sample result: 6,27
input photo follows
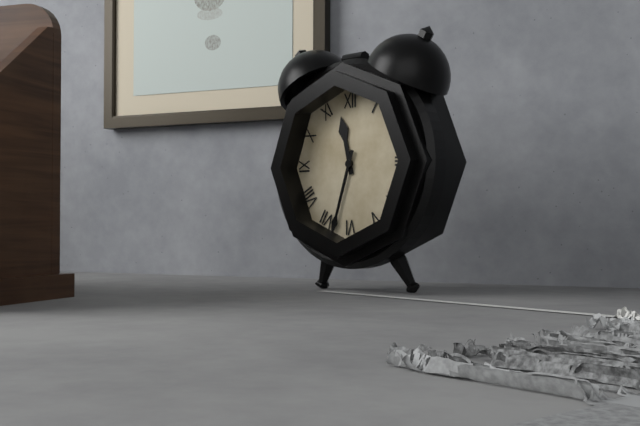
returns 11,33
